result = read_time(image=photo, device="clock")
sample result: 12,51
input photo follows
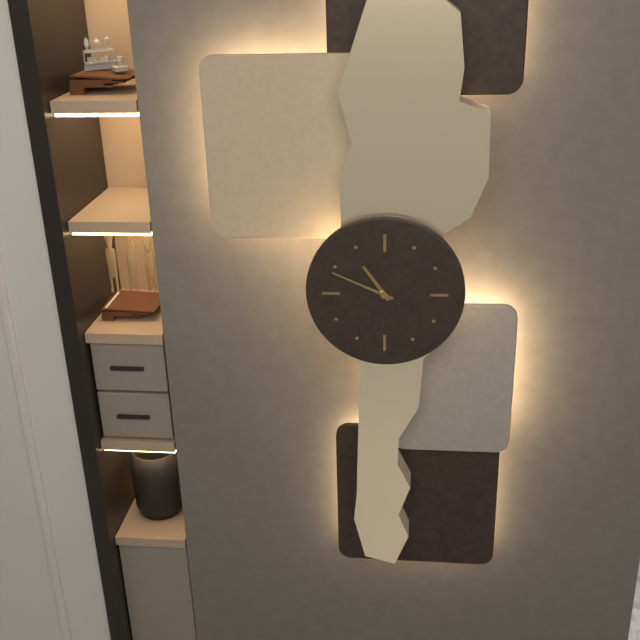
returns 10,49
